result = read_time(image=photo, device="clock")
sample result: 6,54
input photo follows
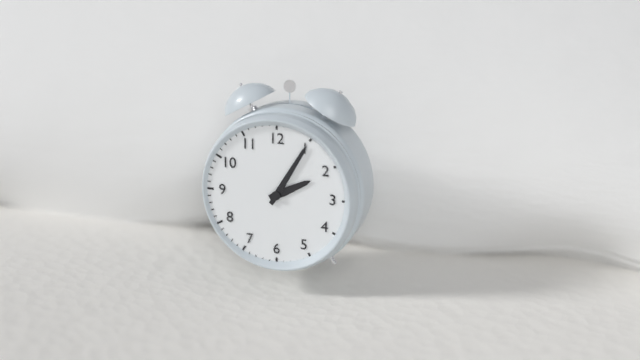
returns 2,05
